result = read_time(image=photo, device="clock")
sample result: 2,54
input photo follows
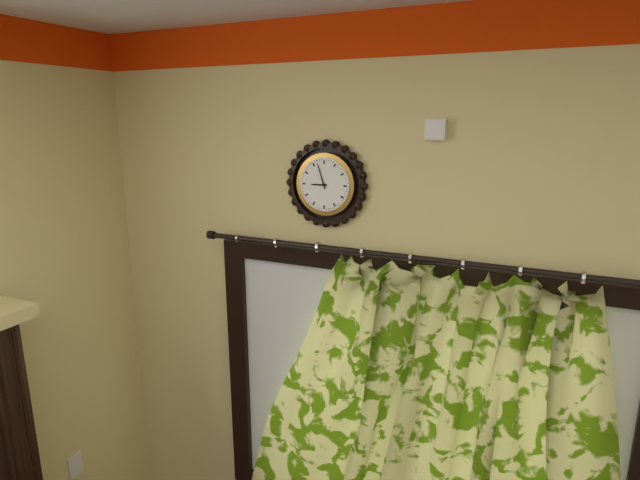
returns 8,57
